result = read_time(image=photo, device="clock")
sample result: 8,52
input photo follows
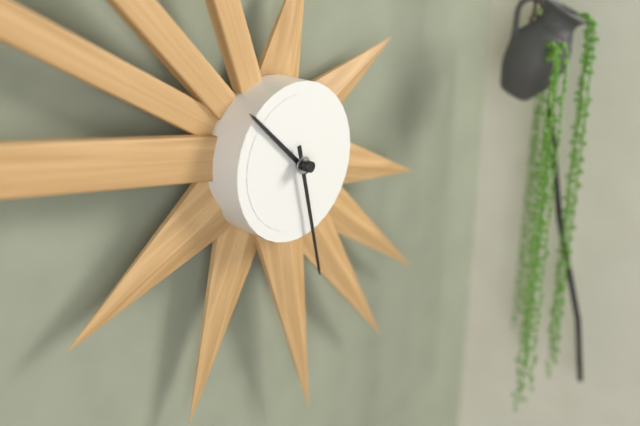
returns 10,28
